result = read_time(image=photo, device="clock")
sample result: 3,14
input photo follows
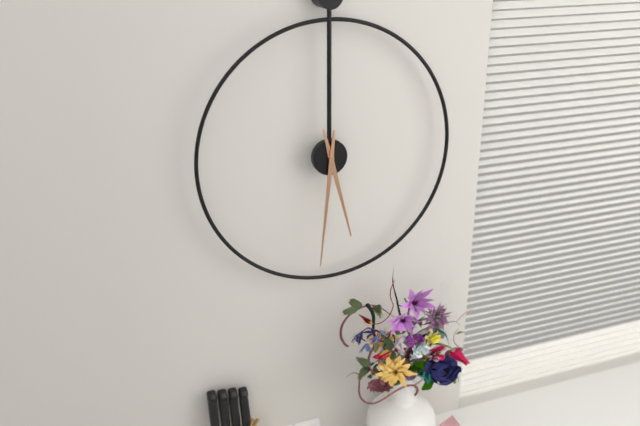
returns 5,31
